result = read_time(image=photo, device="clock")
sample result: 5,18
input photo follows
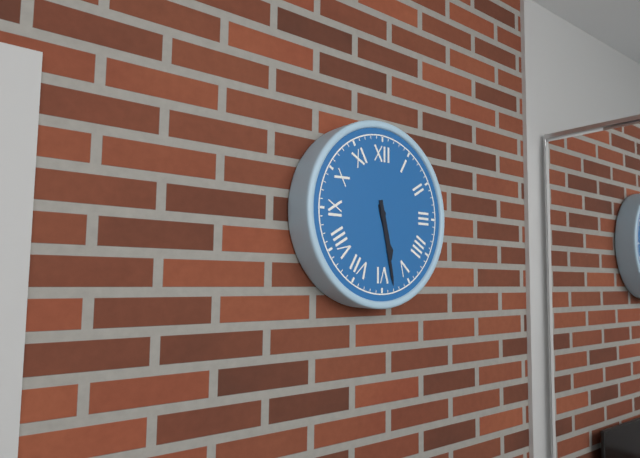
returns 5,28
